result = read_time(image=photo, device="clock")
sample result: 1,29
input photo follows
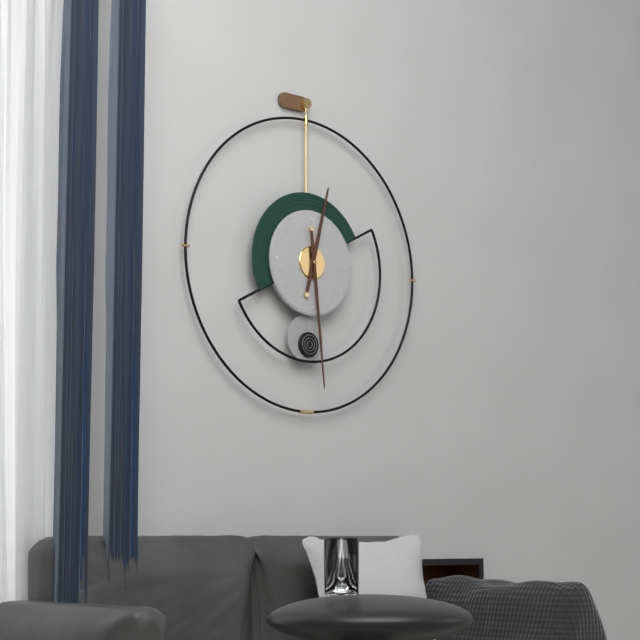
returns 12,29
